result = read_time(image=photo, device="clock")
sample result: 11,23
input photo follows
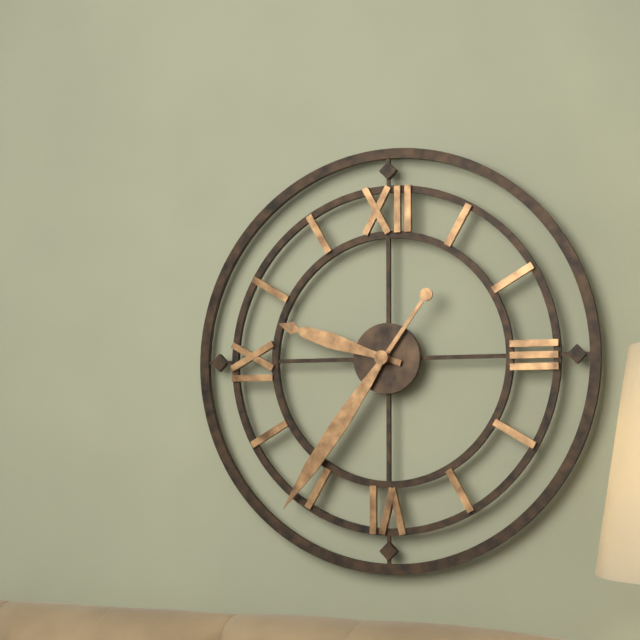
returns 9,36
